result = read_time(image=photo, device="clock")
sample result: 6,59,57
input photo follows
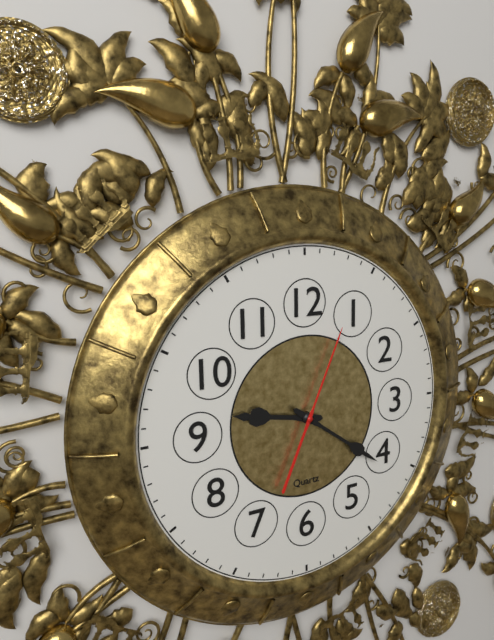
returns 9,21,04
